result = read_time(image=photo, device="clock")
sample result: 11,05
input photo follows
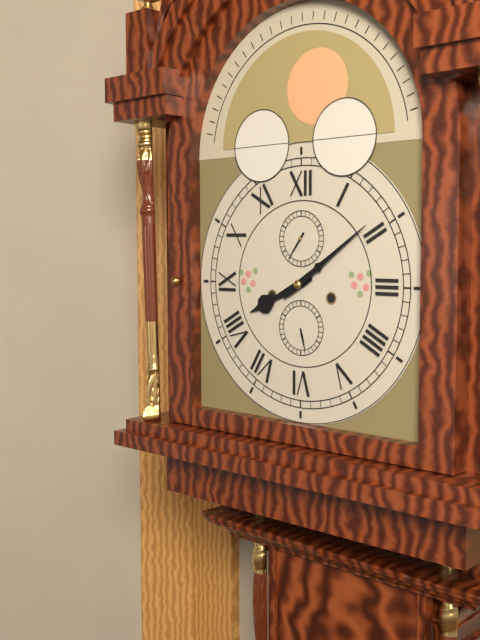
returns 8,09
